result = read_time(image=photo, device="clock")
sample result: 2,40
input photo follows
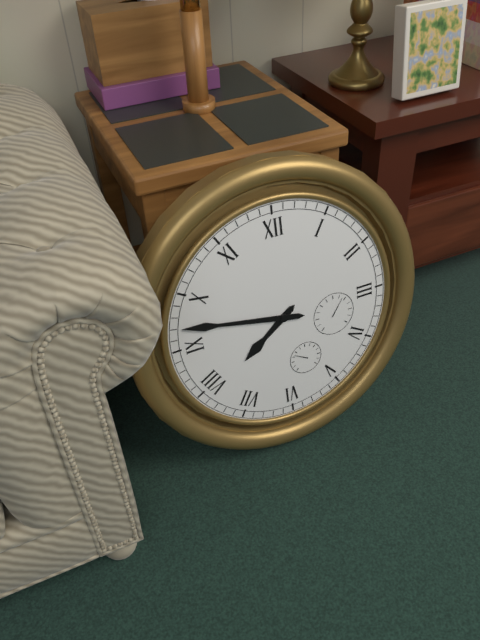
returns 7,47
